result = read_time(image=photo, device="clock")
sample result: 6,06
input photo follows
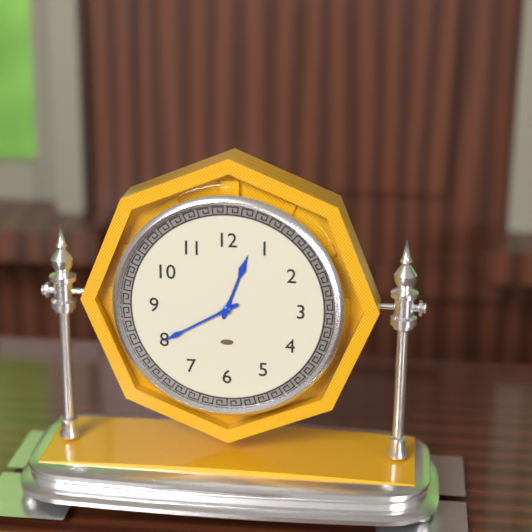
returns 12,40
